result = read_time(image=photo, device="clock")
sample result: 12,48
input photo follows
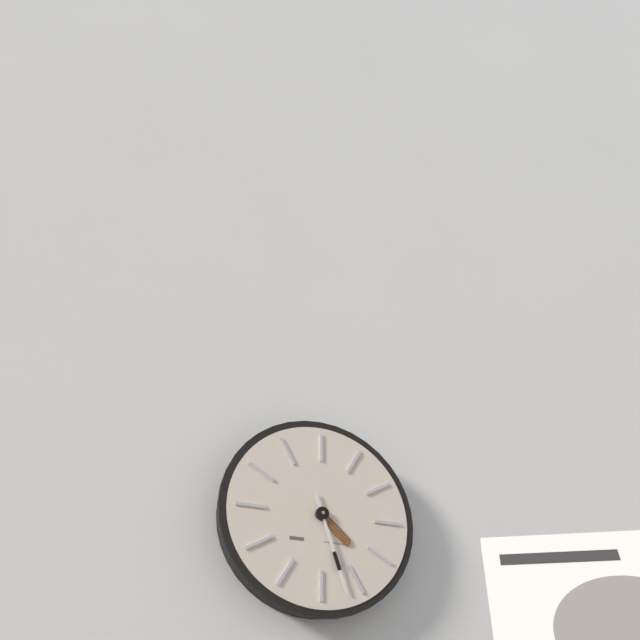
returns 4,27
